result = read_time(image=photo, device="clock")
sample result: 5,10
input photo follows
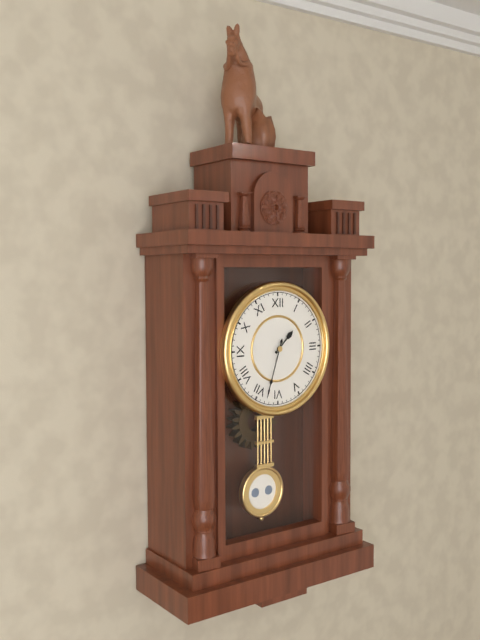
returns 1,33
